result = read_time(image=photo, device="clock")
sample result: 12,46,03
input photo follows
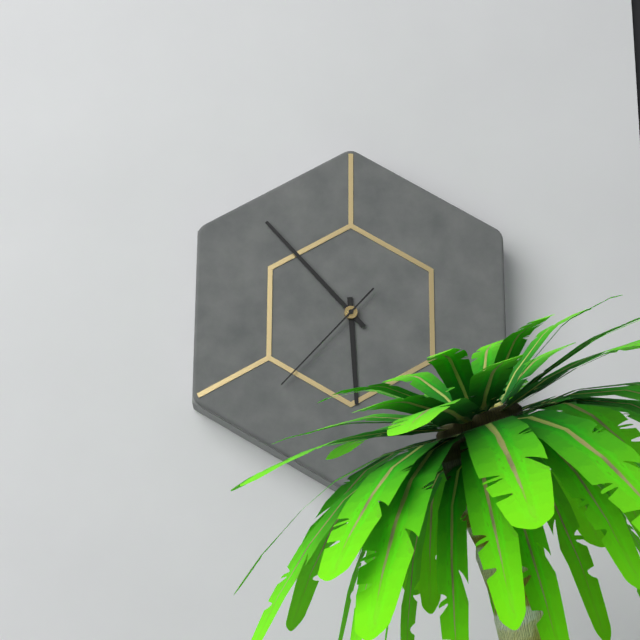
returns 5,53,37
